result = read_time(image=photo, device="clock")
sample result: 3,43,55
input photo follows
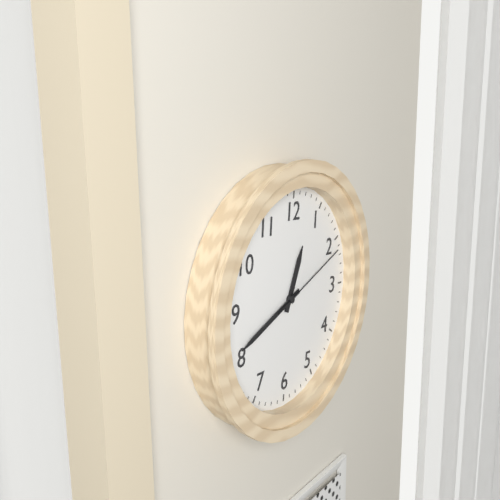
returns 12,41,11
